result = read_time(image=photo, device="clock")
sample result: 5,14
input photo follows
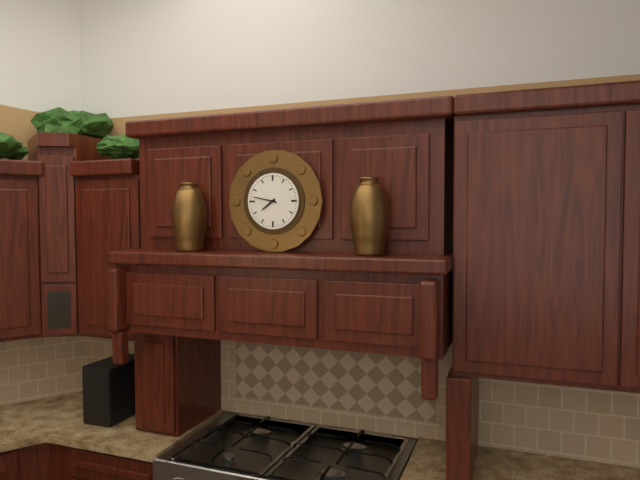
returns 7,47
